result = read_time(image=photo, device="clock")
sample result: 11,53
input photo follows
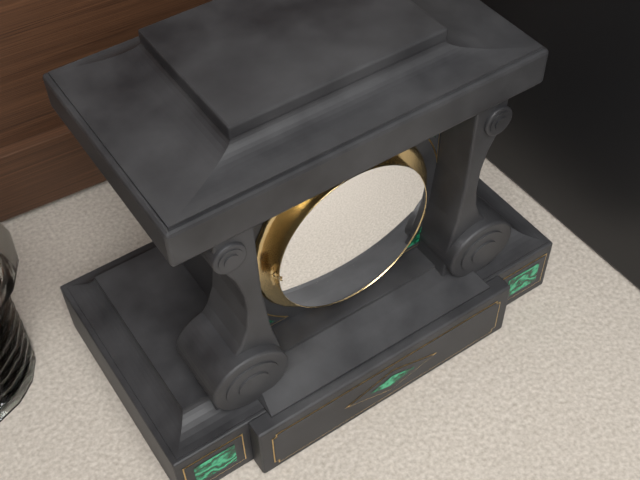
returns 9,54
